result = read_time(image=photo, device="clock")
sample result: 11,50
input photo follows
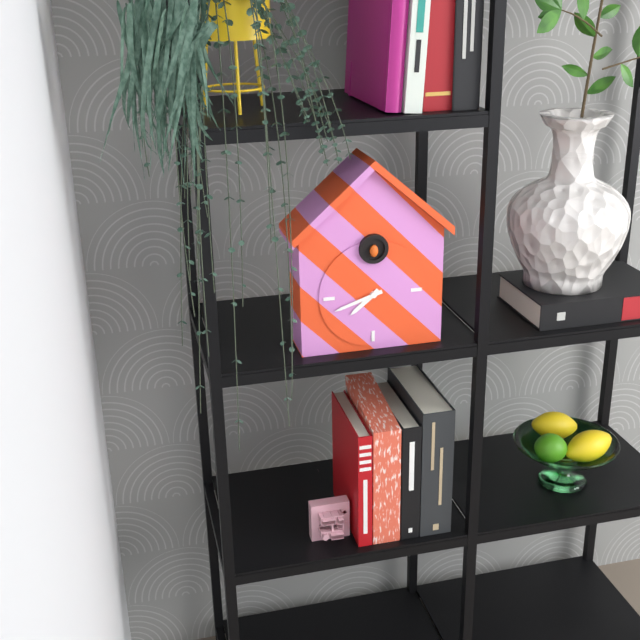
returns 7,42
